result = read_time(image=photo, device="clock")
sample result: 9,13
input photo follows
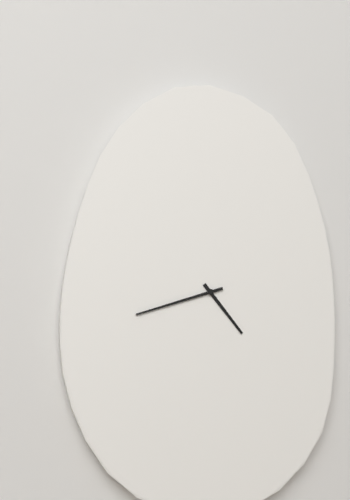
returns 4,42
